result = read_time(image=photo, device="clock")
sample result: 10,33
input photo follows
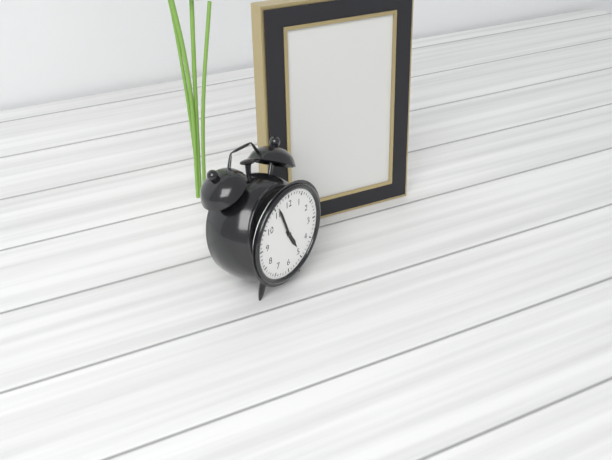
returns 4,56
